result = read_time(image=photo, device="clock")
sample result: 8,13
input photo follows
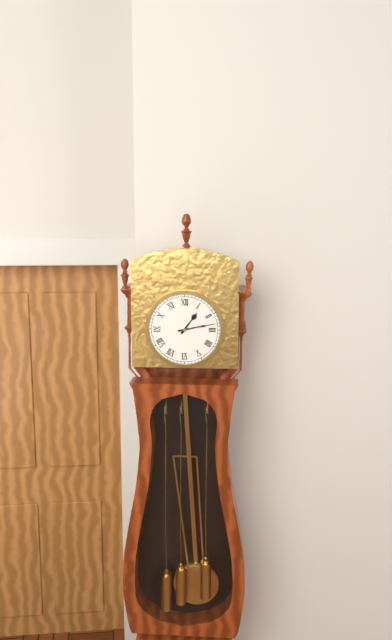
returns 1,13
